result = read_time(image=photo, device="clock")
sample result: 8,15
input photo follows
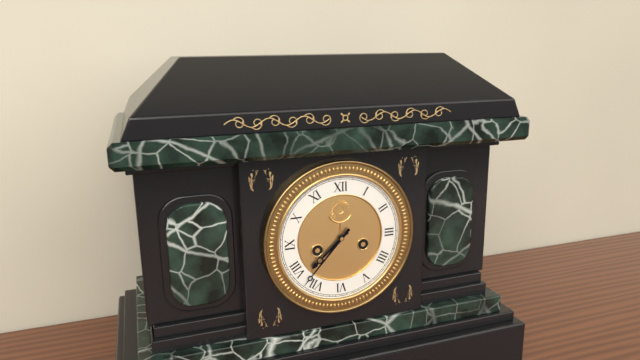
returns 7,37
